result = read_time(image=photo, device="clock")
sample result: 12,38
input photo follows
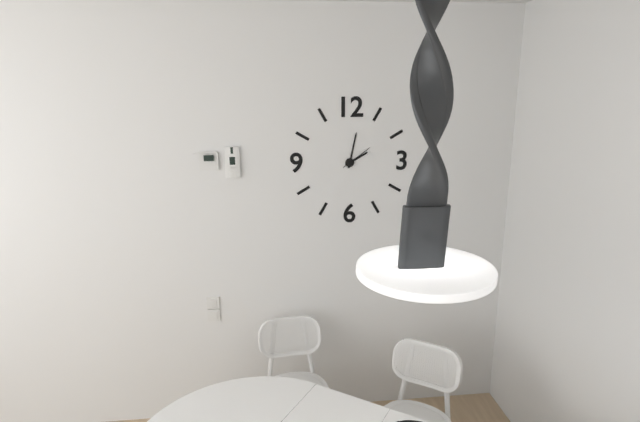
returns 2,02
